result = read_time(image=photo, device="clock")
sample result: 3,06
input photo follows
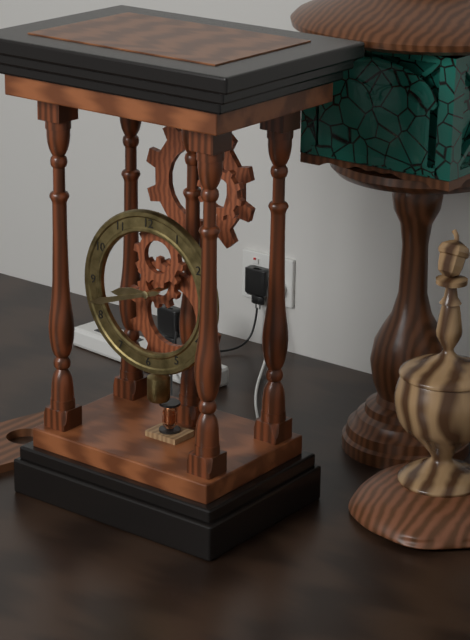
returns 8,42
